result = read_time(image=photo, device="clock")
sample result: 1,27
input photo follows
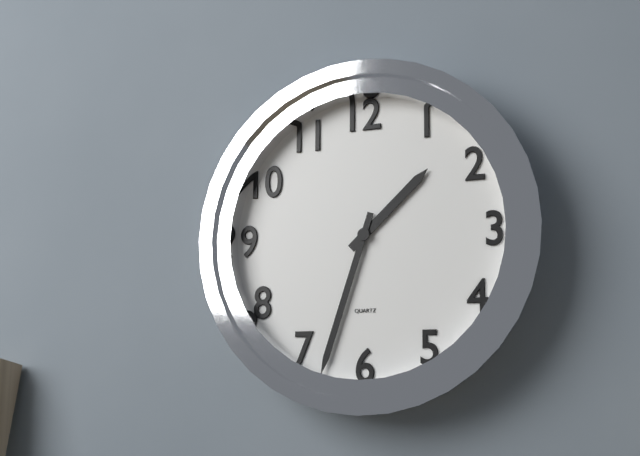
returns 1,33
